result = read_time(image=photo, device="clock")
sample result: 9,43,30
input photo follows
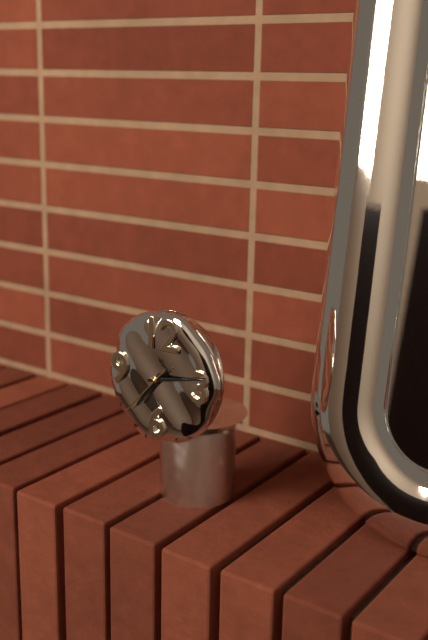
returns 7,13,37
